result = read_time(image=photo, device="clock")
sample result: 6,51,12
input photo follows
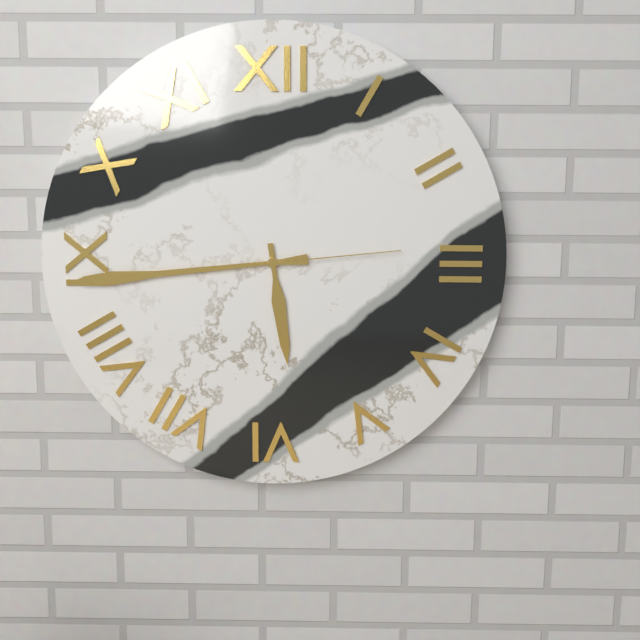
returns 5,44,14
